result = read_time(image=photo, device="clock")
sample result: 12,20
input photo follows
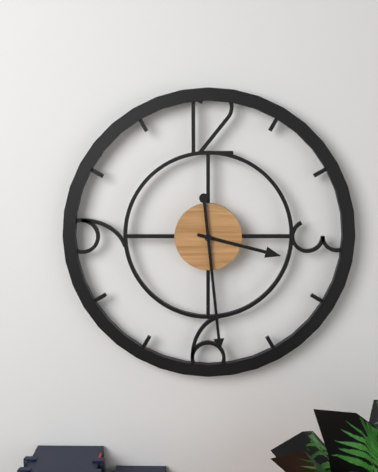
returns 3,29
